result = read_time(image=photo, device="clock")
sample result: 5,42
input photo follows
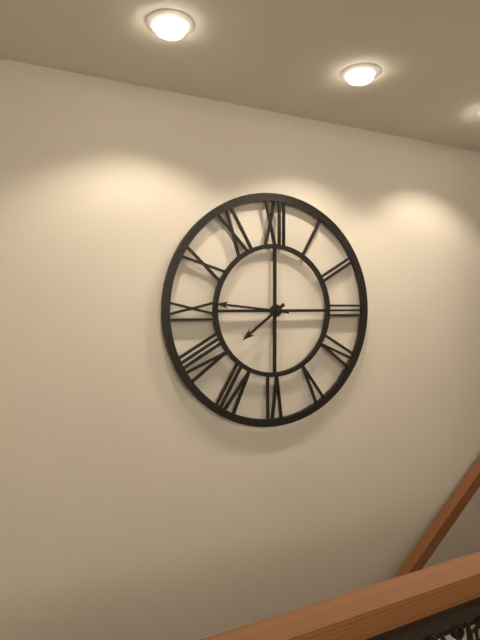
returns 7,46
